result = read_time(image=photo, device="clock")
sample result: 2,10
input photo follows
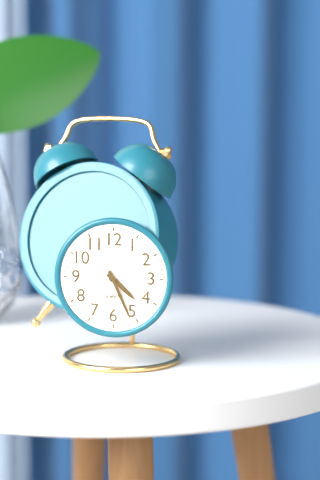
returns 4,26
